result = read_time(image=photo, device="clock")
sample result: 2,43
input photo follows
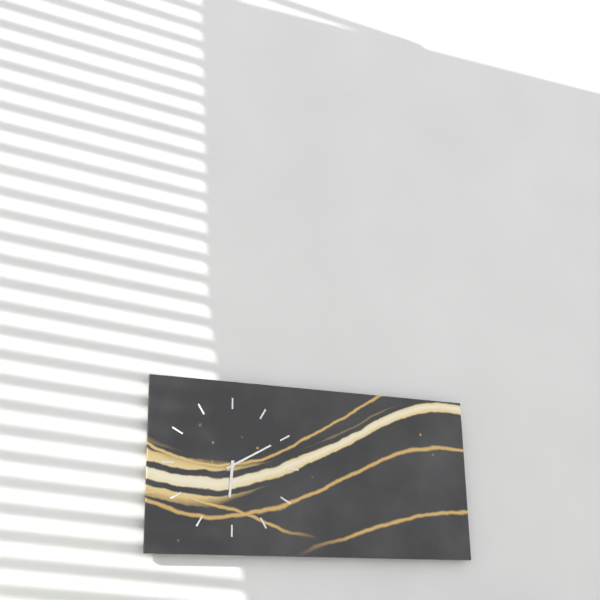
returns 6,10
